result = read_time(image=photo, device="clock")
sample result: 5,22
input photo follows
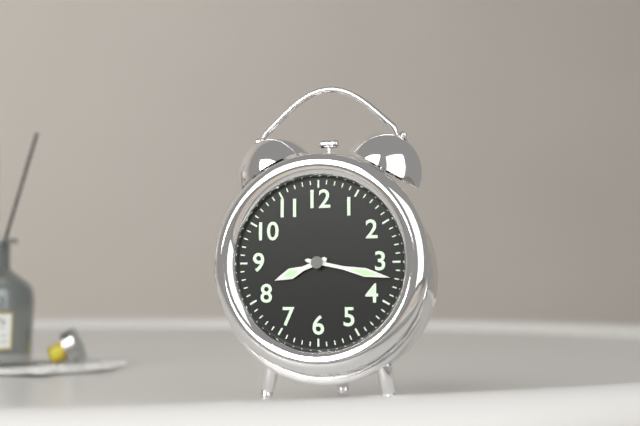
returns 8,17
